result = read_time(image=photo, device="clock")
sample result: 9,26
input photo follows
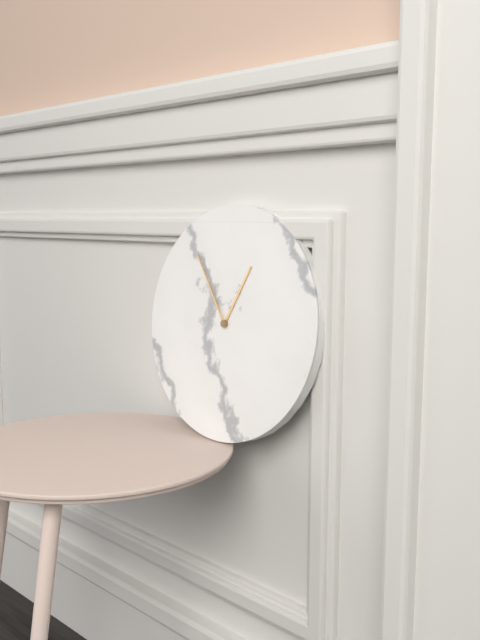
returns 12,54
